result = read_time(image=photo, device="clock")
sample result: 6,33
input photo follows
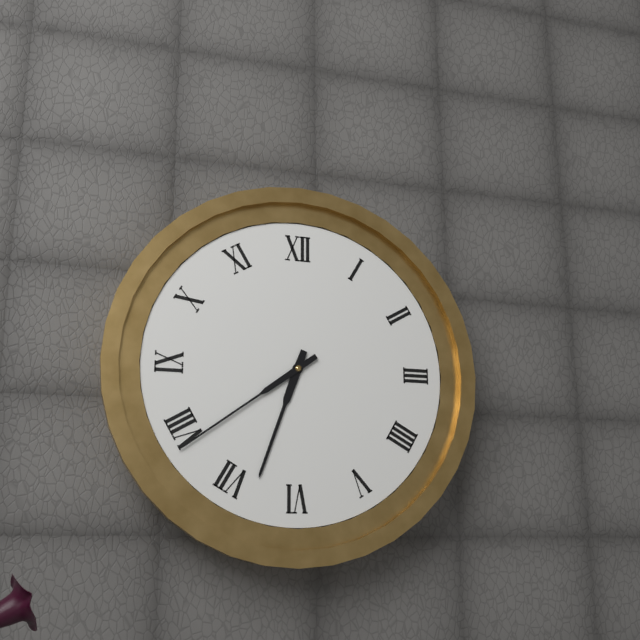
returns 6,39
